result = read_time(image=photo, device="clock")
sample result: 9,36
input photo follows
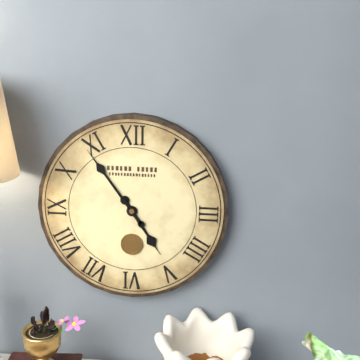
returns 4,54
